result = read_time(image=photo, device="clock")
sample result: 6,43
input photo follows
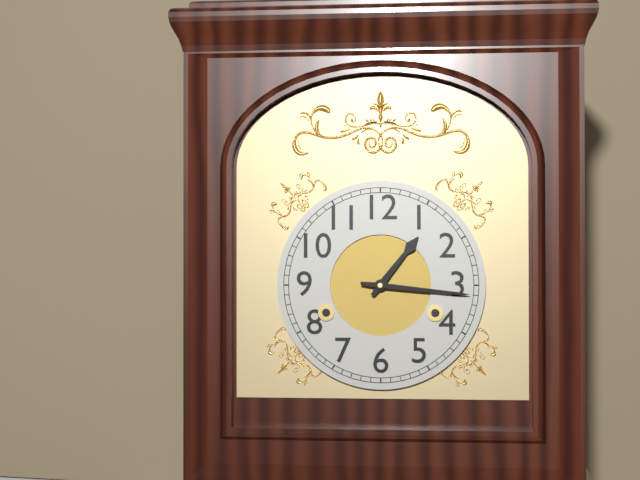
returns 1,16
